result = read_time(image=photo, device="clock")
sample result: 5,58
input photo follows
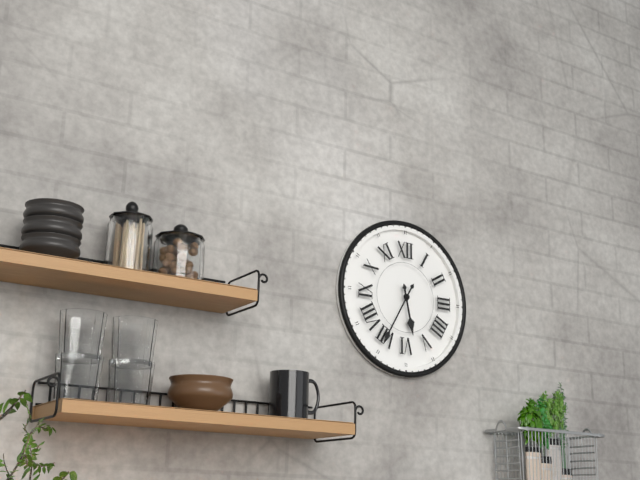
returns 5,35
